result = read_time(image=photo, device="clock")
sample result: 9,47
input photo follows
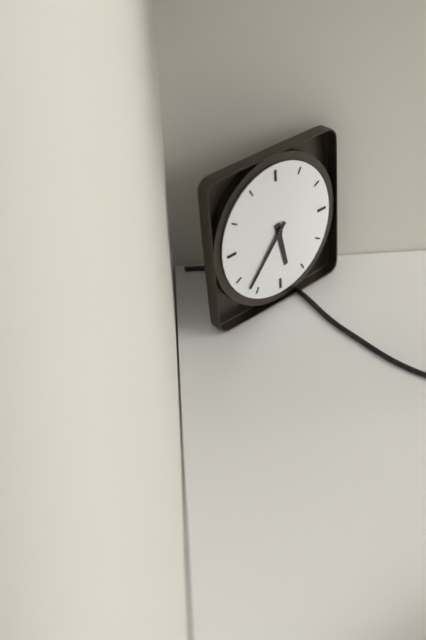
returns 5,37
